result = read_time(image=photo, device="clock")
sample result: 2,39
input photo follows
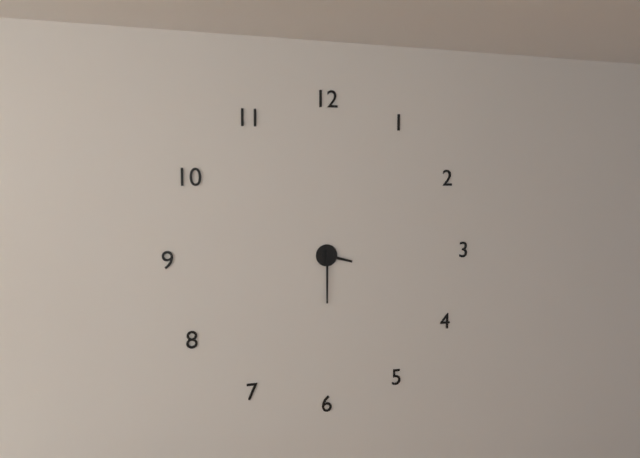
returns 3,30
